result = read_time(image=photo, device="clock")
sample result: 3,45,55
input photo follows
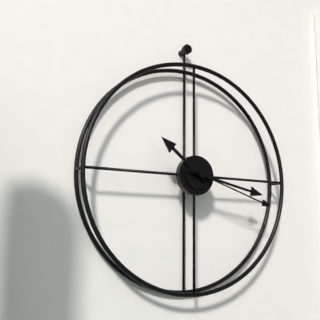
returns 10,17,18
